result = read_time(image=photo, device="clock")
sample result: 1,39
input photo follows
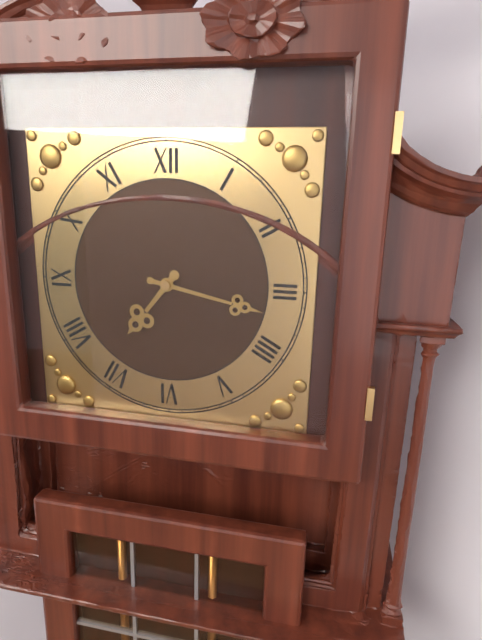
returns 7,17
